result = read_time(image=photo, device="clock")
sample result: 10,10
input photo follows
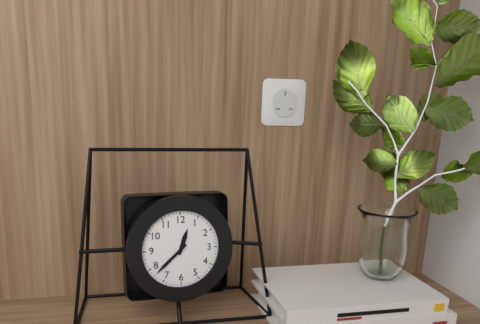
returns 12,38
